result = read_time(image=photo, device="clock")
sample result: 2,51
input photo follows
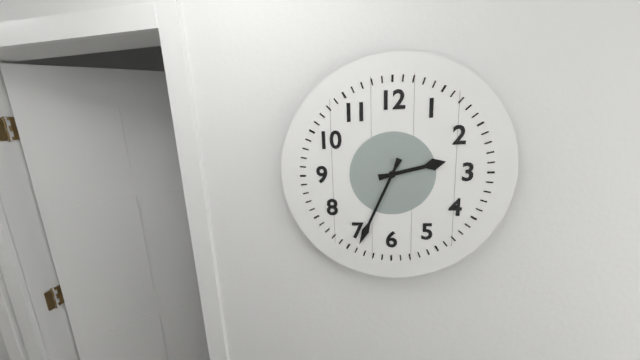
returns 2,34
